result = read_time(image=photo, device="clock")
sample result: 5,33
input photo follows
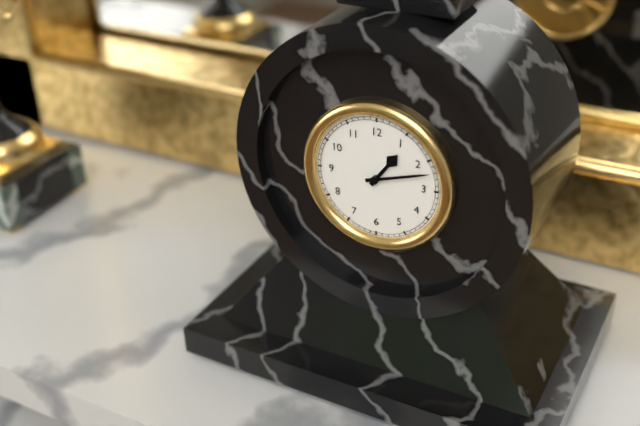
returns 1,12
